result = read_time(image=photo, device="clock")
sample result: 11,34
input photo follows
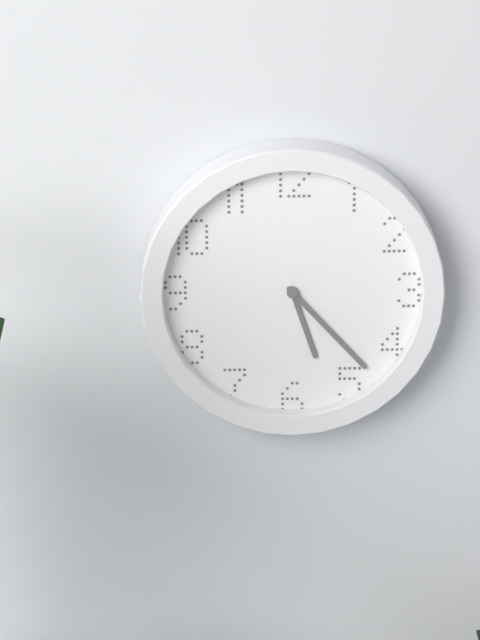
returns 5,23
